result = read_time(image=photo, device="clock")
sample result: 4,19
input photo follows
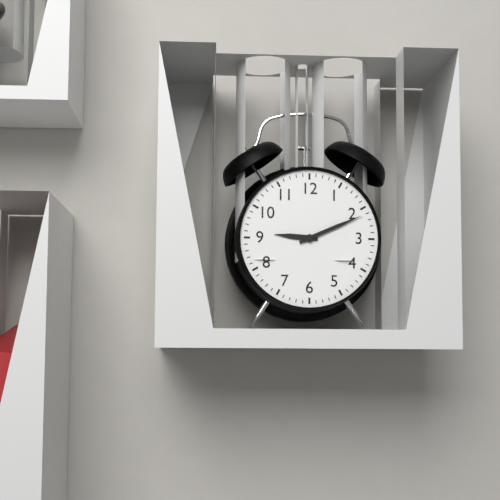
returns 9,11
